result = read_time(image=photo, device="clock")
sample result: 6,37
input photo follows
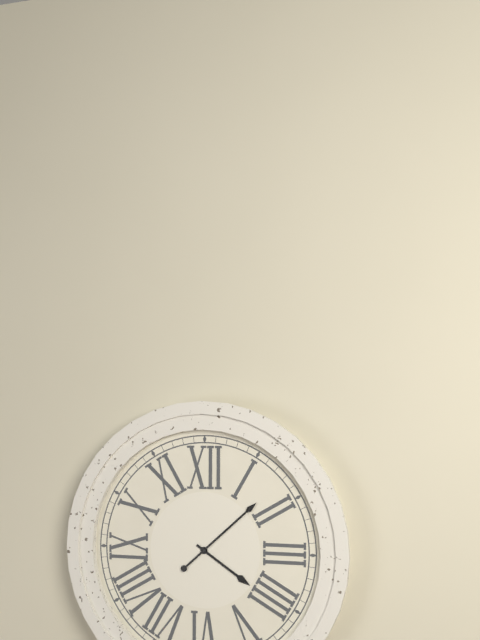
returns 4,08
